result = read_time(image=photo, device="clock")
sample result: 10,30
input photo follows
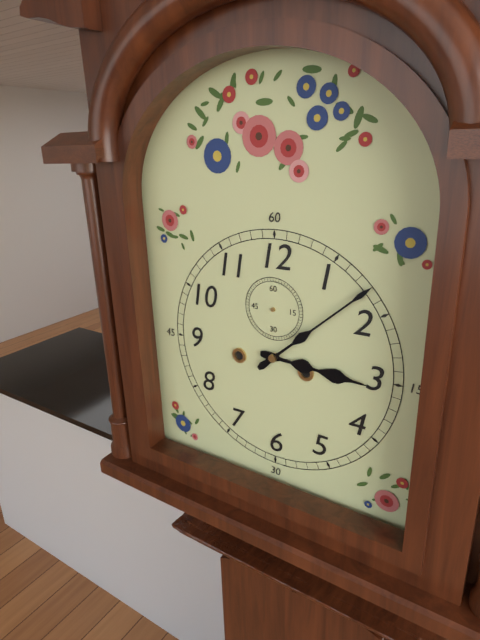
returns 3,08
